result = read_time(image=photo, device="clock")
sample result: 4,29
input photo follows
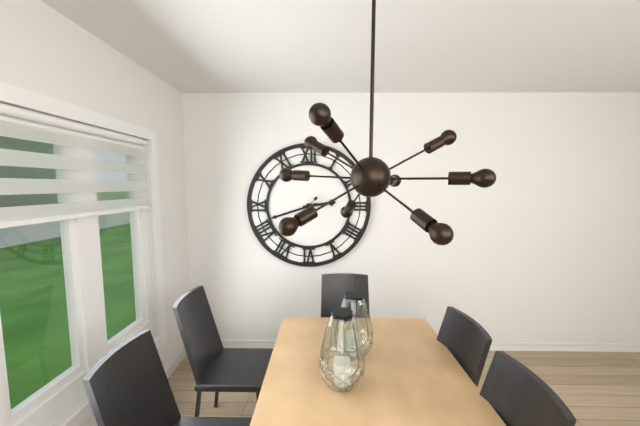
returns 2,42
